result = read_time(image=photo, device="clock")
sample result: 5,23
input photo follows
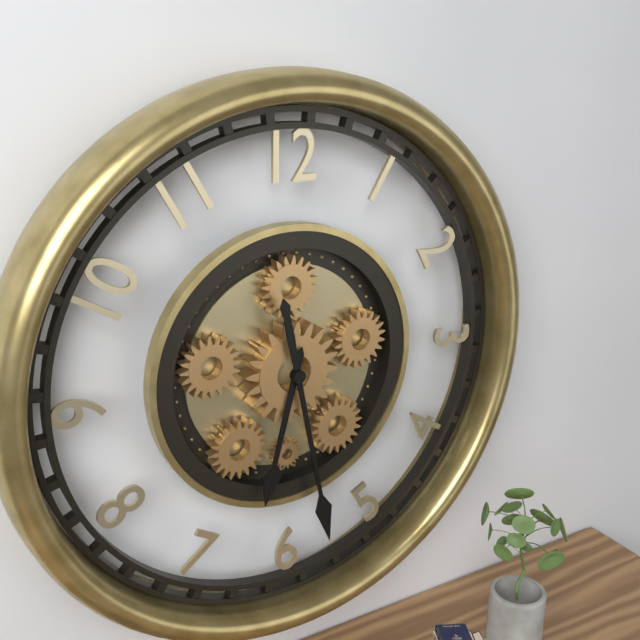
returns 6,28
